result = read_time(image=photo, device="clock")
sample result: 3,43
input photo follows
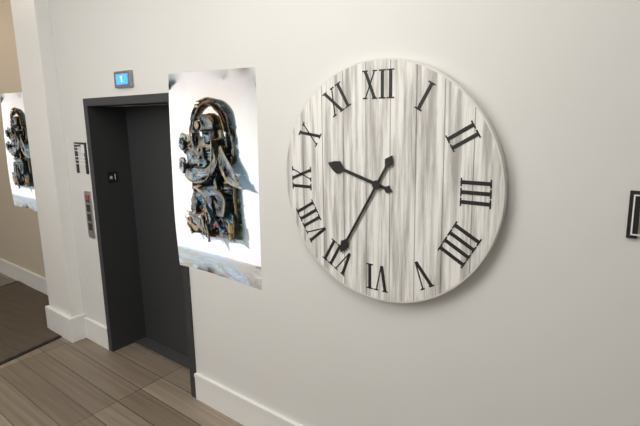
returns 9,35
